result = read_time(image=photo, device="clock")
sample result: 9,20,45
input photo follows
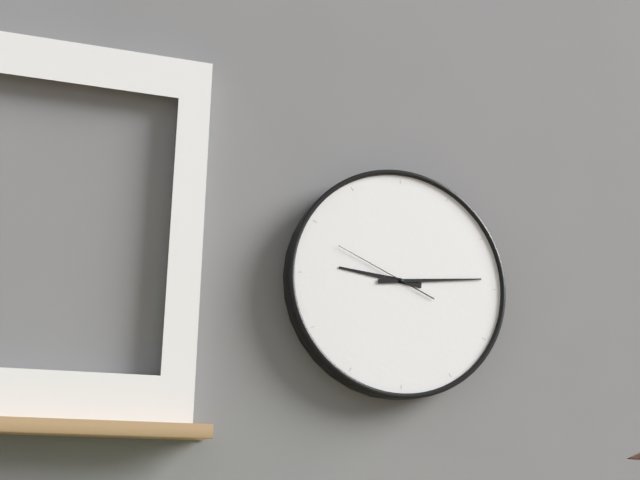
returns 9,14,49
